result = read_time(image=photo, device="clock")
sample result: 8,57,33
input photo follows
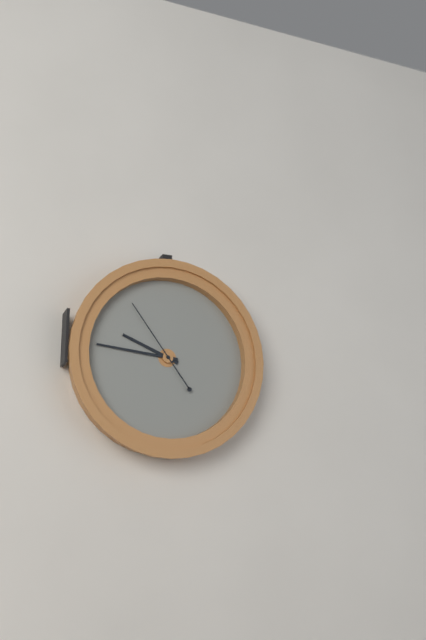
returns 9,46,54
